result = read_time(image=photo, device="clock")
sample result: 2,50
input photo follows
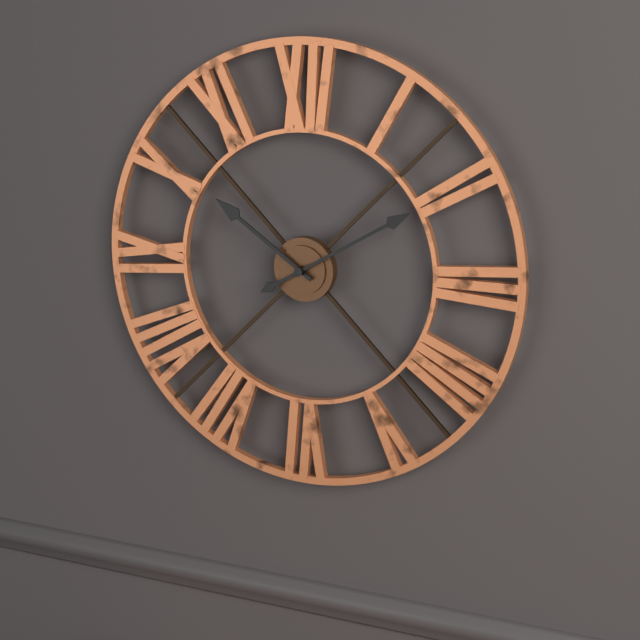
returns 10,10
